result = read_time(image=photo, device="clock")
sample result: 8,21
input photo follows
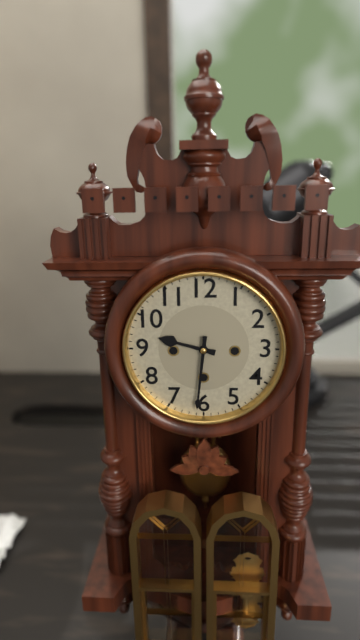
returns 9,31
